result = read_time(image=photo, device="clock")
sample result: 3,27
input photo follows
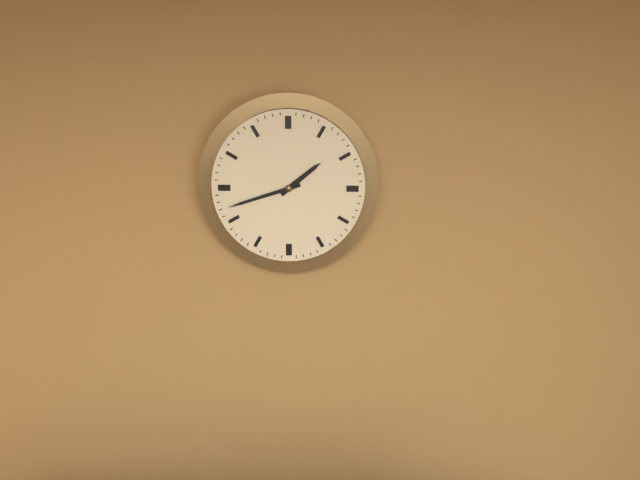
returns 1,42
